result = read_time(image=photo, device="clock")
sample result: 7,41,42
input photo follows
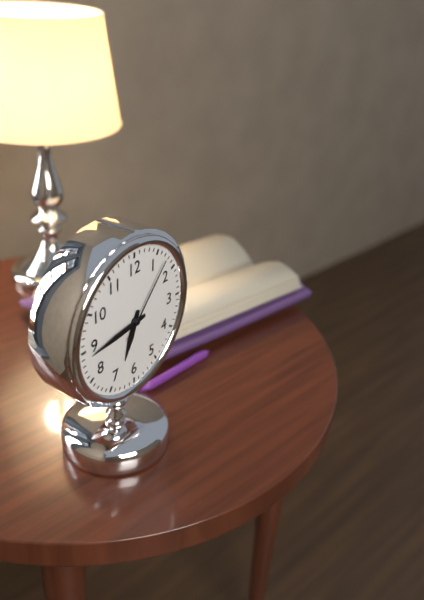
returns 6,44,07
